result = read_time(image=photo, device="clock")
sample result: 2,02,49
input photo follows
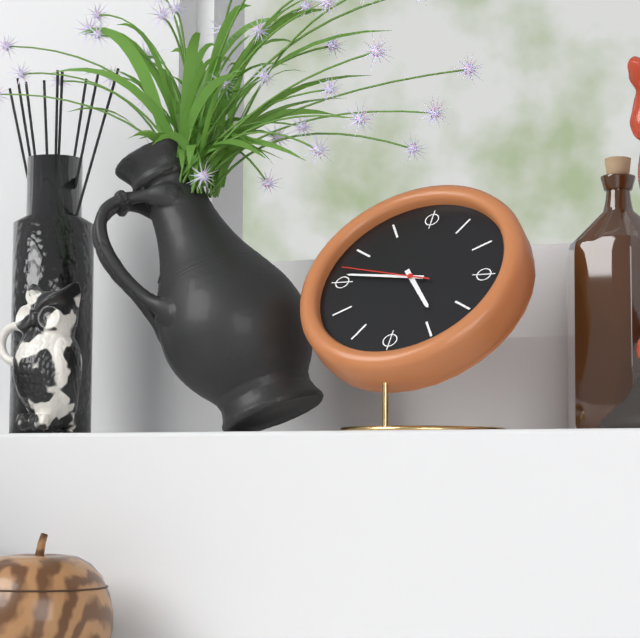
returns 4,46,47
